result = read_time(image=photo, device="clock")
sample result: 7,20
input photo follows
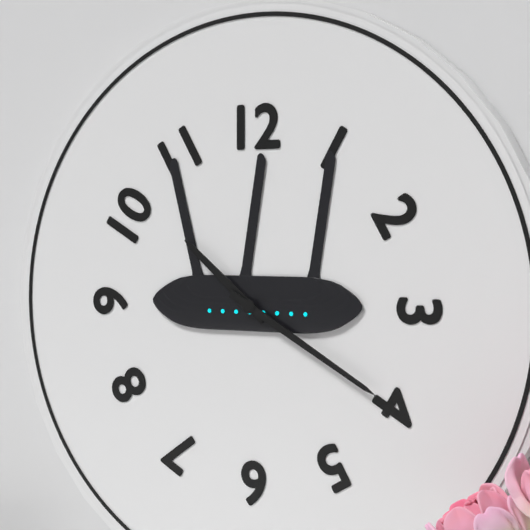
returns 10,20
